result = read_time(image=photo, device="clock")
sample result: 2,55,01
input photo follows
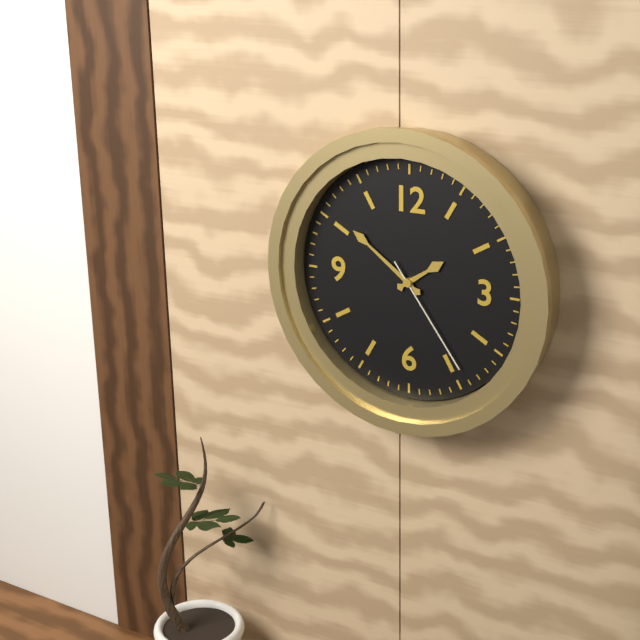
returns 1,51,24
